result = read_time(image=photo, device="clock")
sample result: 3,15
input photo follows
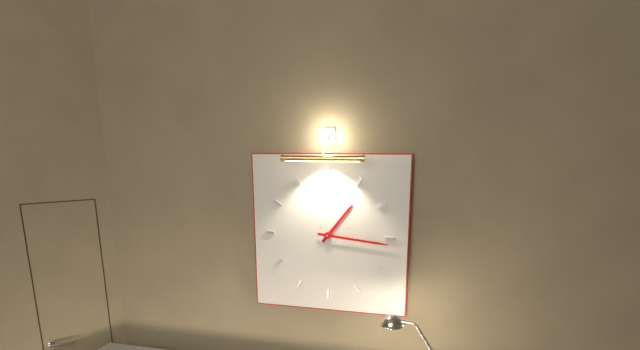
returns 1,16
